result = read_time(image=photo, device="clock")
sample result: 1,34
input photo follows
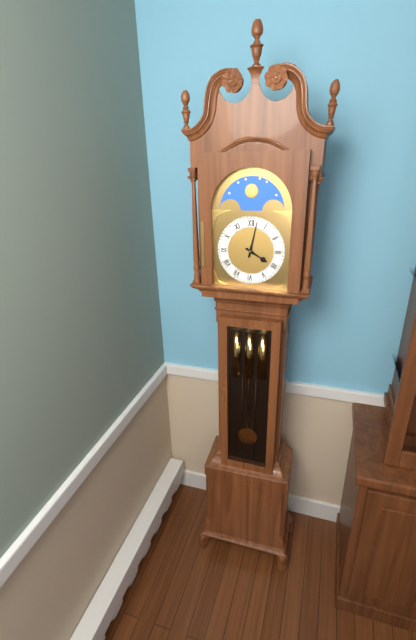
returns 4,02
